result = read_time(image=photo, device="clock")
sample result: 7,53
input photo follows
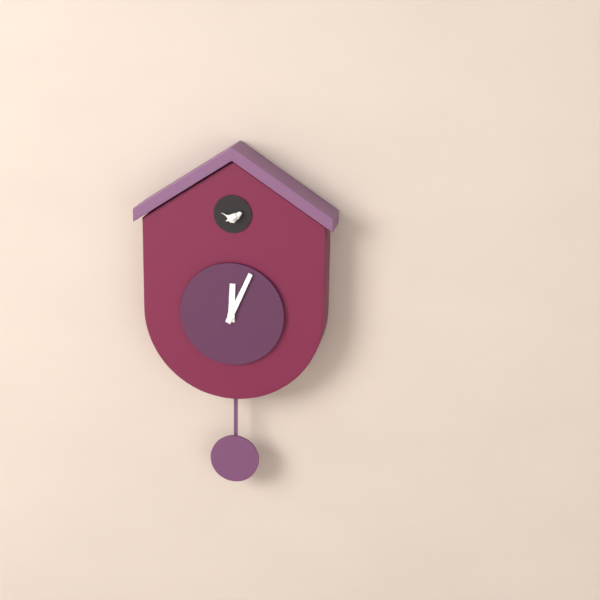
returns 12,04
